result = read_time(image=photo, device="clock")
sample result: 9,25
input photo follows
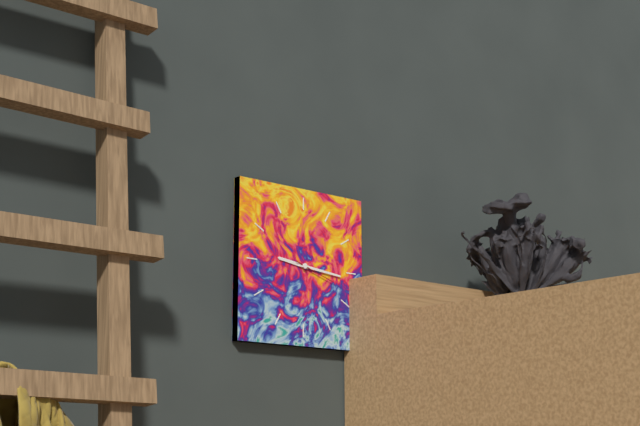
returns 9,16
